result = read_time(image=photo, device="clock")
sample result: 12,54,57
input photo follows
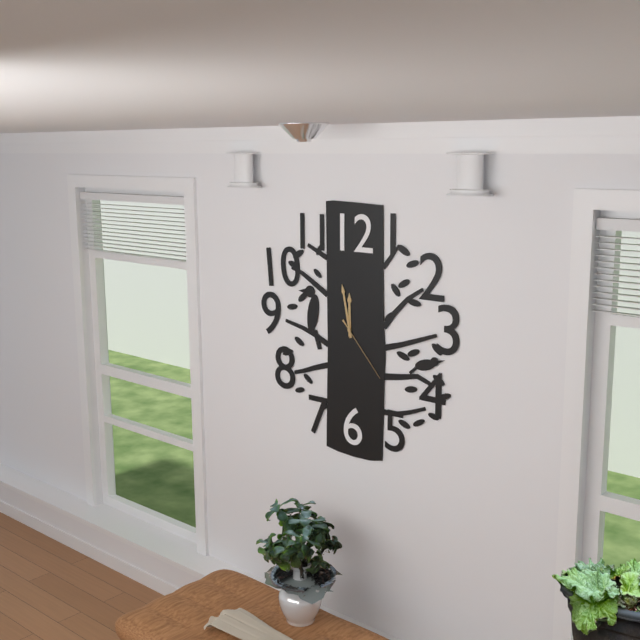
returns 11,58,23
